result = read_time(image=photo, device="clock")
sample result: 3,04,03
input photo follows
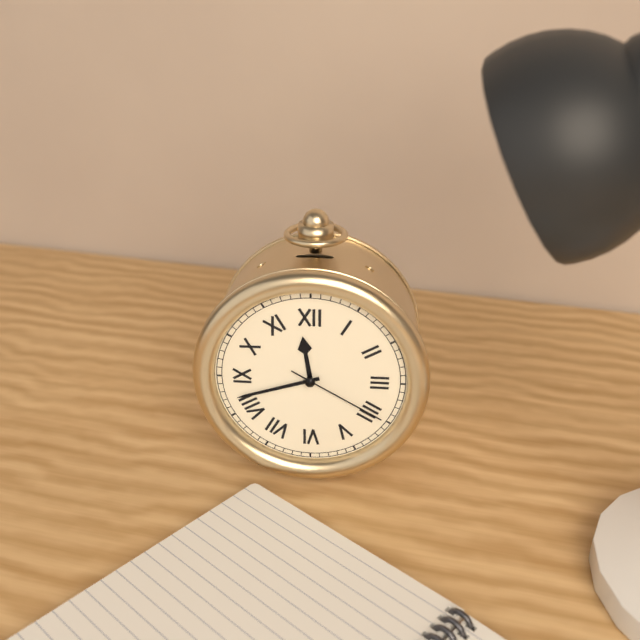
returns 11,42,20
